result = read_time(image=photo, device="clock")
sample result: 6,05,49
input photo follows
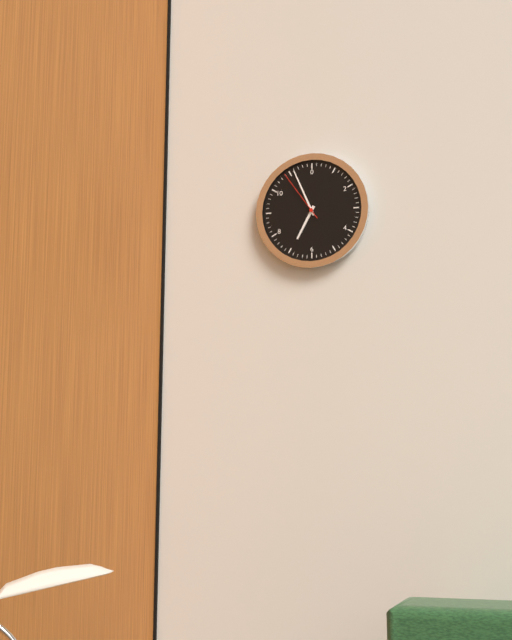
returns 6,56,54
